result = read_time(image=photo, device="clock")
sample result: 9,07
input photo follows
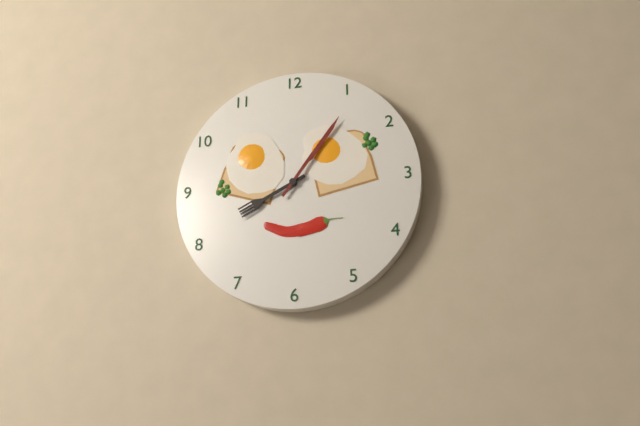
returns 8,06
